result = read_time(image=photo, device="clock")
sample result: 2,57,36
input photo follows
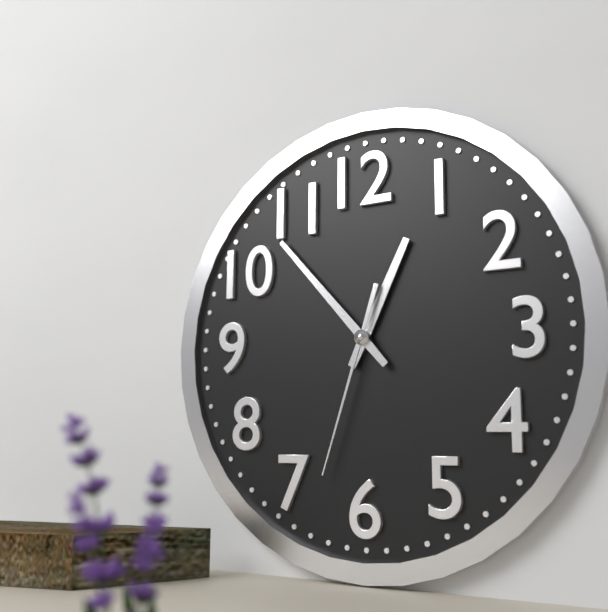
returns 12,53,33
